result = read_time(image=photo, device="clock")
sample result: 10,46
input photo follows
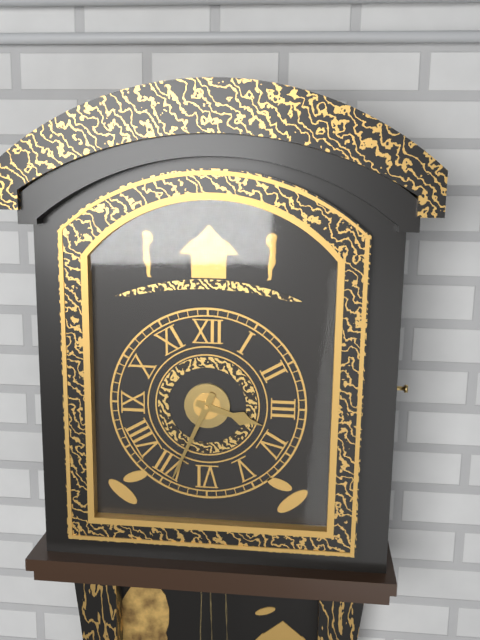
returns 3,34
